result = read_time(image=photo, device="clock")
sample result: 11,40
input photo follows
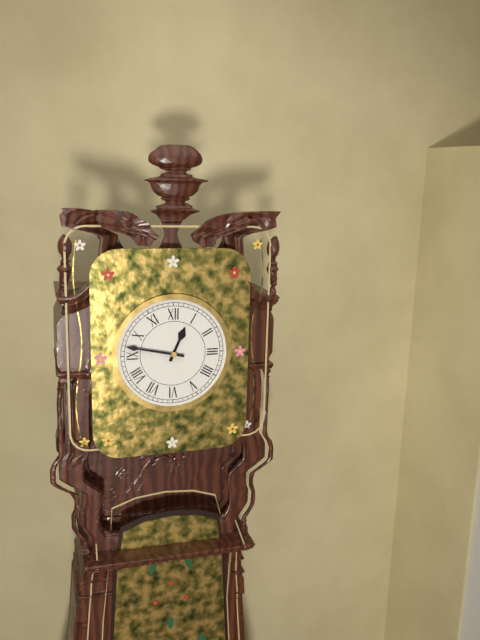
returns 12,47
